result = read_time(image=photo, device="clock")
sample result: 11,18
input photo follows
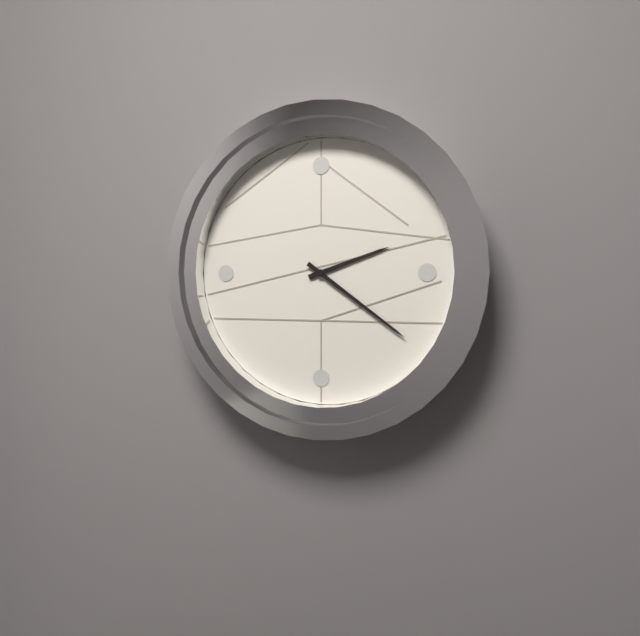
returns 2,21
